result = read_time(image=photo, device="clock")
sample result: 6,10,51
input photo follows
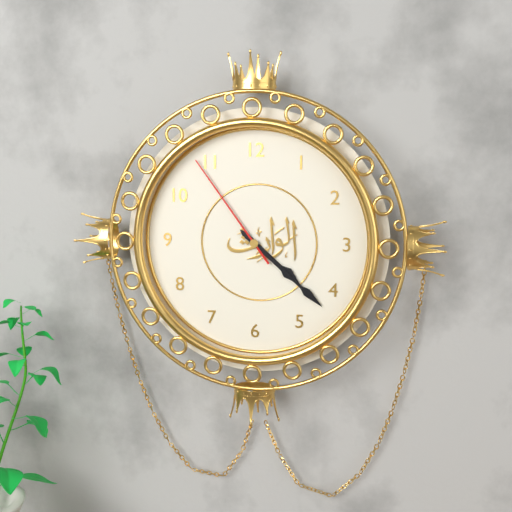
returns 4,22,54
